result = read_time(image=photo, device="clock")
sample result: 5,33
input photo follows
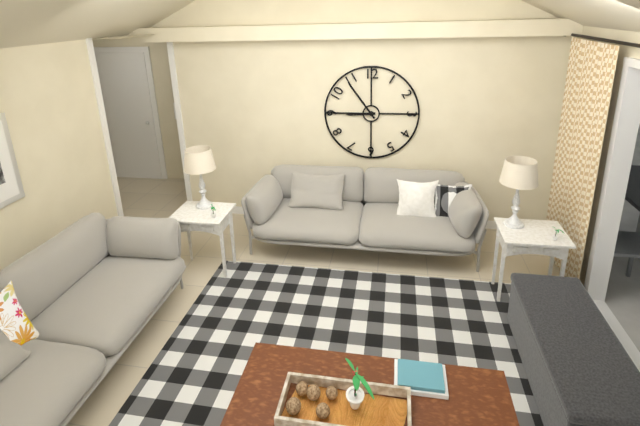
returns 8,54
